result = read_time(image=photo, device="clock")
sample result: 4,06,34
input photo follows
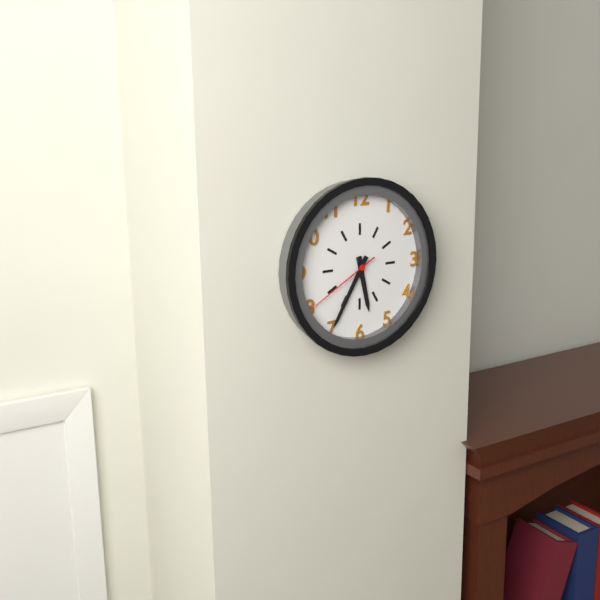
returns 5,35,40
